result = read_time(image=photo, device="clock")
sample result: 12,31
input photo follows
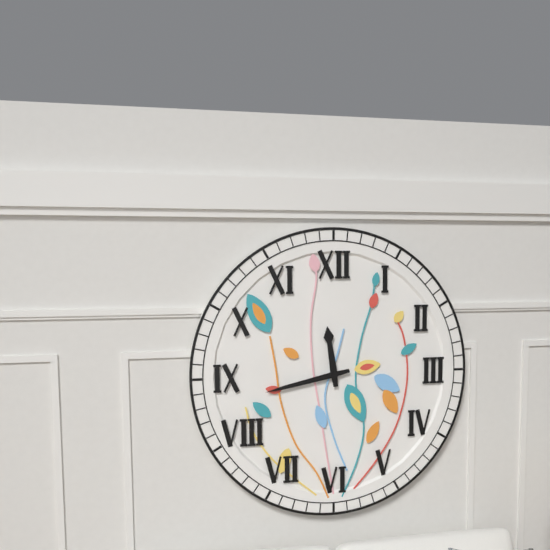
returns 11,43
